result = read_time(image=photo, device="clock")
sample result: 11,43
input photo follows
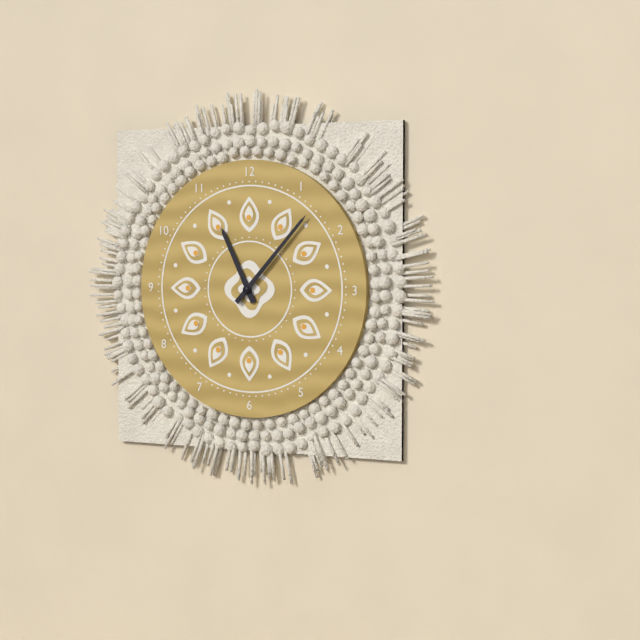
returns 11,07
